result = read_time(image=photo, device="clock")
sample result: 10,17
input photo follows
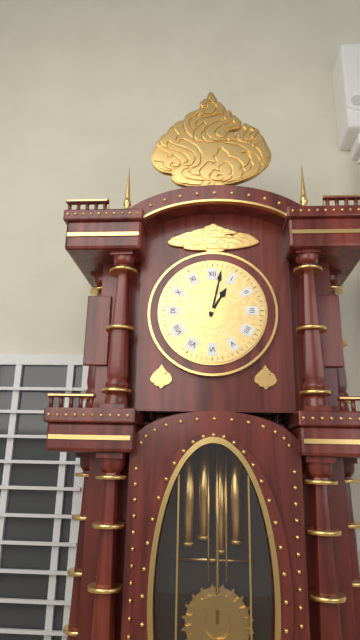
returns 1,02
